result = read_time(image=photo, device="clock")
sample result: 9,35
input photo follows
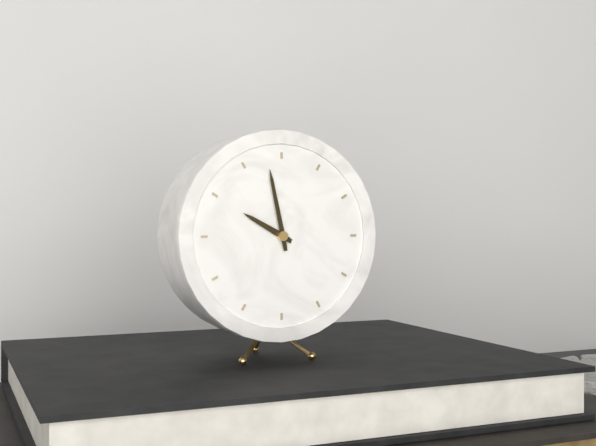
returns 9,58
